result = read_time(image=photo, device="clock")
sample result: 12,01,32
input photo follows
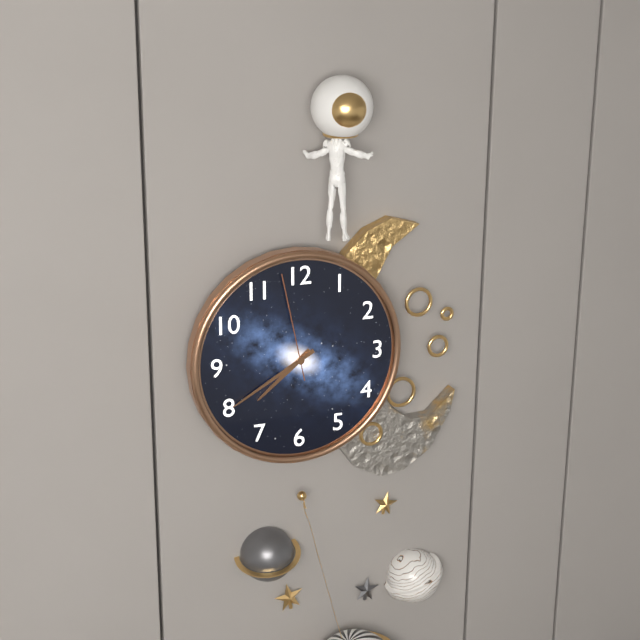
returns 7,40,58
